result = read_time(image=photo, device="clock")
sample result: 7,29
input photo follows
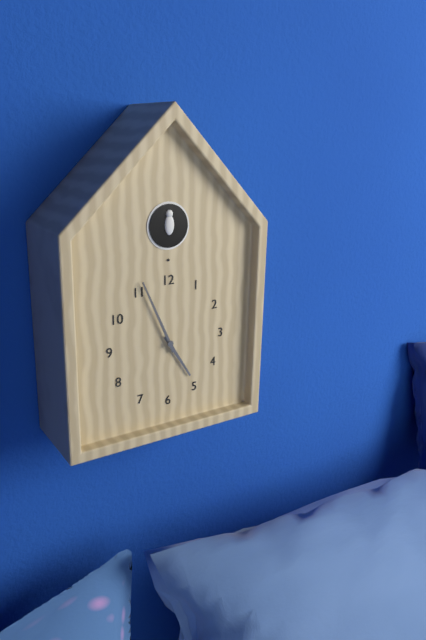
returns 4,56
